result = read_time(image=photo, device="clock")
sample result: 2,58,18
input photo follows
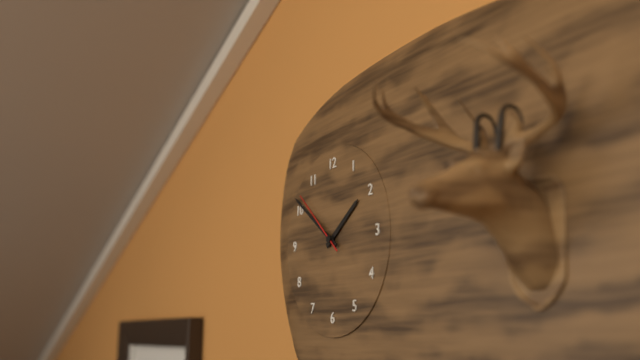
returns 1,51,52
